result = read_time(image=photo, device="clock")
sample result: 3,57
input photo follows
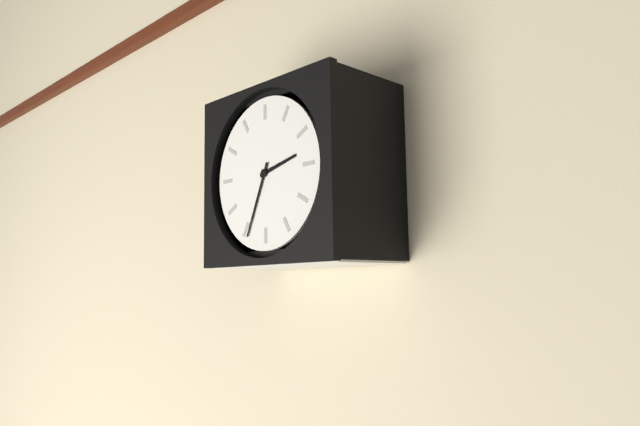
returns 2,34
